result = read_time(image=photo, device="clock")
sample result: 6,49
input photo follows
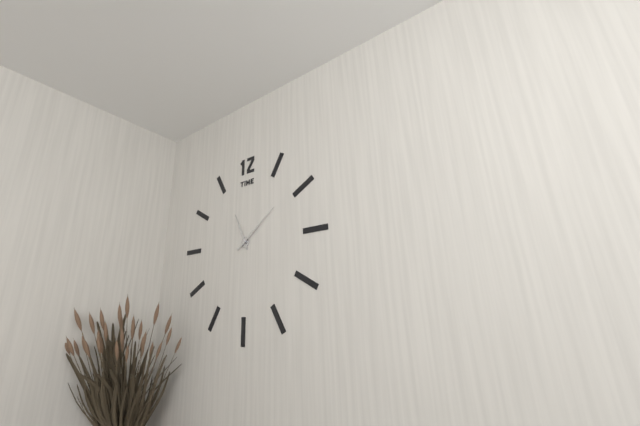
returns 11,09
